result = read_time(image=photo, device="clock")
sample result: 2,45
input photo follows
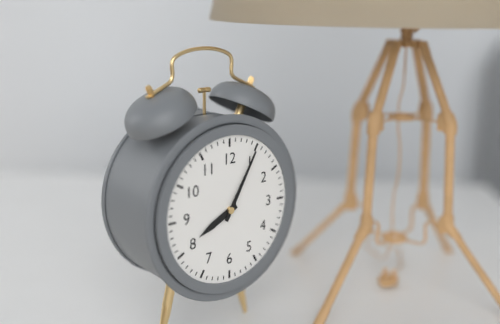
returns 8,05
